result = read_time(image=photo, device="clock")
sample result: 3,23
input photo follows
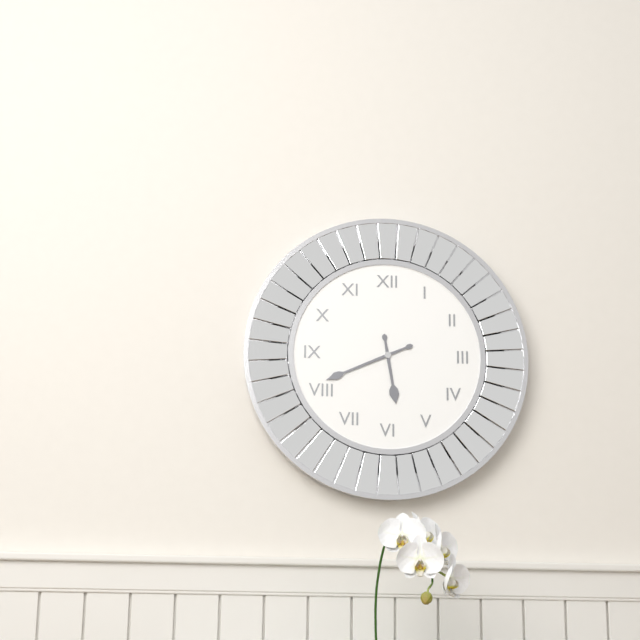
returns 5,41
